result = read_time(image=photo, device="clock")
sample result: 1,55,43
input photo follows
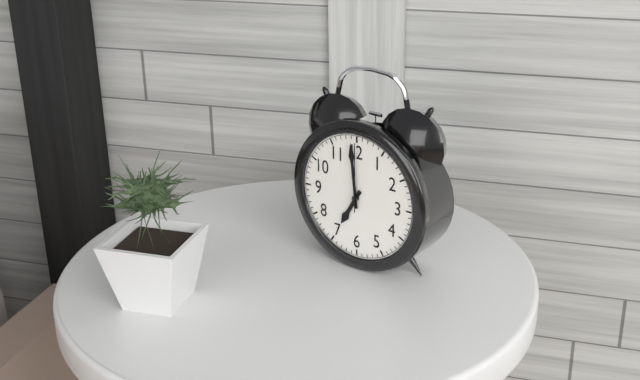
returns 6,59,00
